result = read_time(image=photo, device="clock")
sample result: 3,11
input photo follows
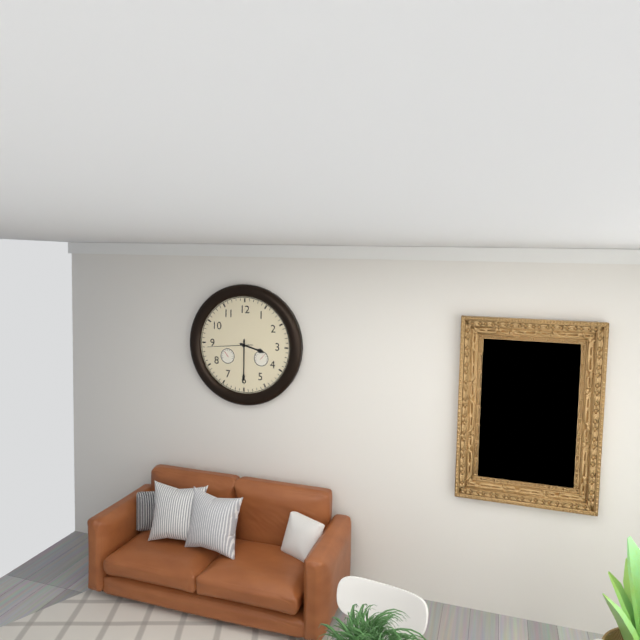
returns 3,30
